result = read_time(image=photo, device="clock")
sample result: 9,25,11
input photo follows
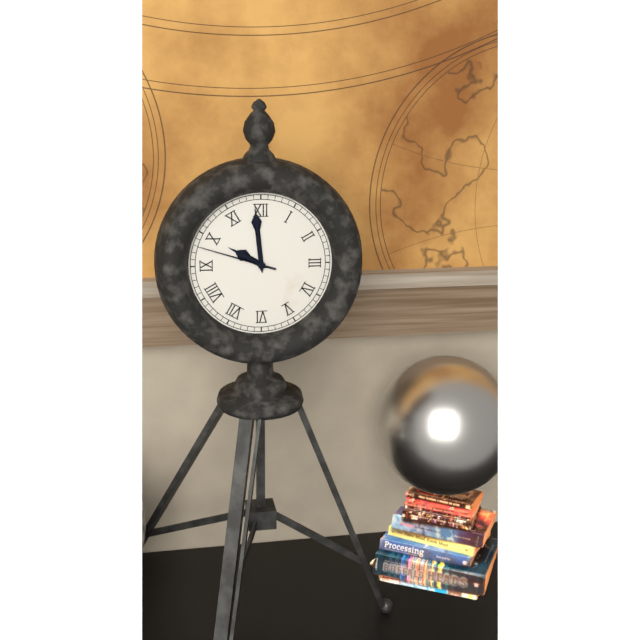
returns 9,59,48
